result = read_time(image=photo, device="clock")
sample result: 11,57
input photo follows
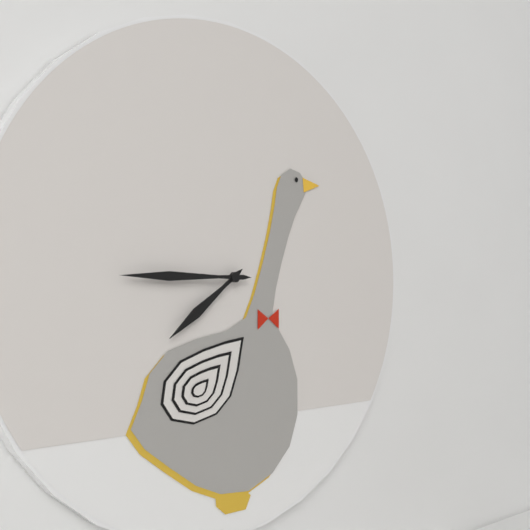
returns 7,45
